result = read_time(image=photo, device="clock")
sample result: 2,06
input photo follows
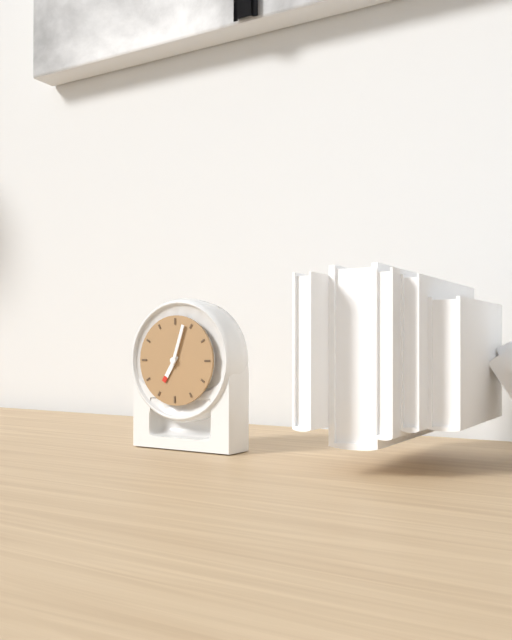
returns 7,03
